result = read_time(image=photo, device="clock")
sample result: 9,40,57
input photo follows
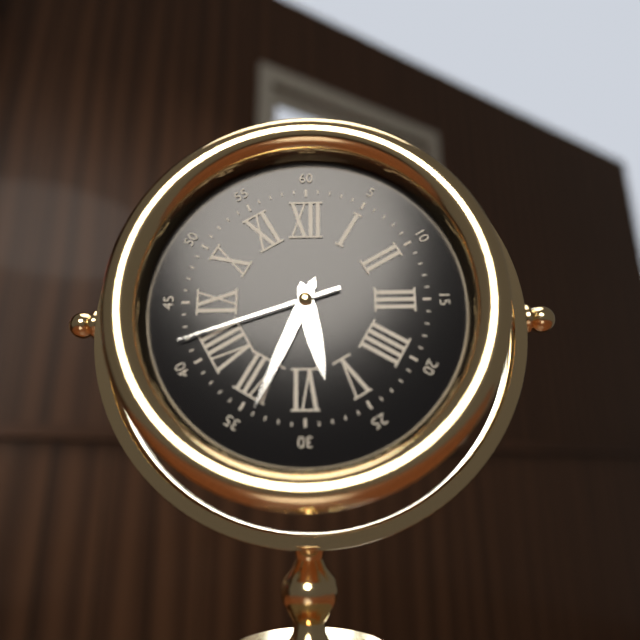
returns 5,34,42
